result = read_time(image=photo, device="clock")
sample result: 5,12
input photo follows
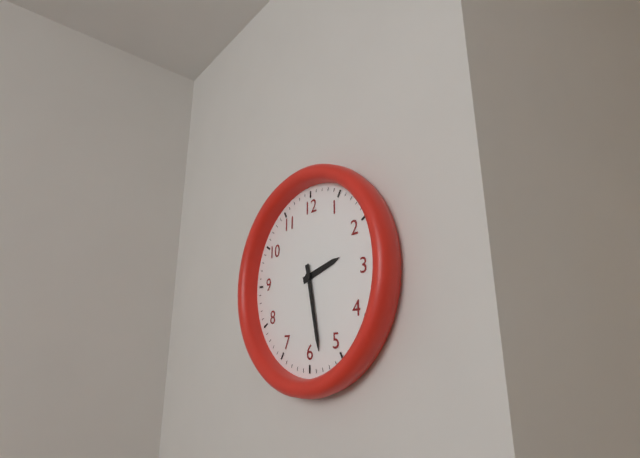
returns 2,28
